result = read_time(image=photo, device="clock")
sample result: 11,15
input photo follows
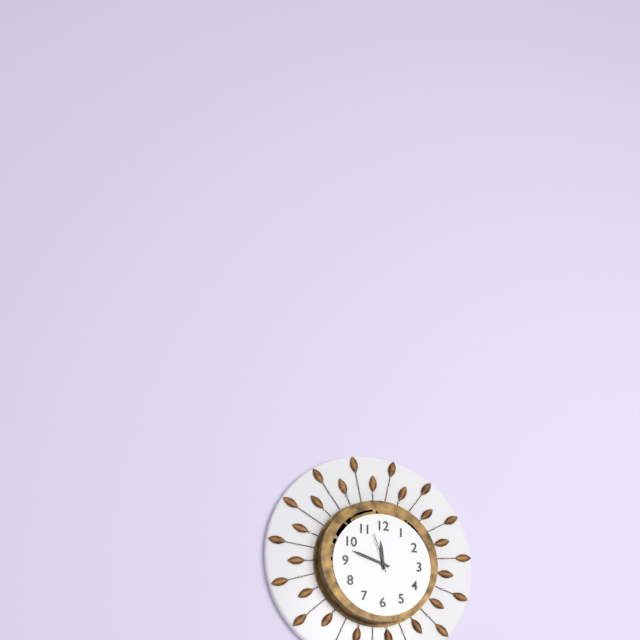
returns 11,48
